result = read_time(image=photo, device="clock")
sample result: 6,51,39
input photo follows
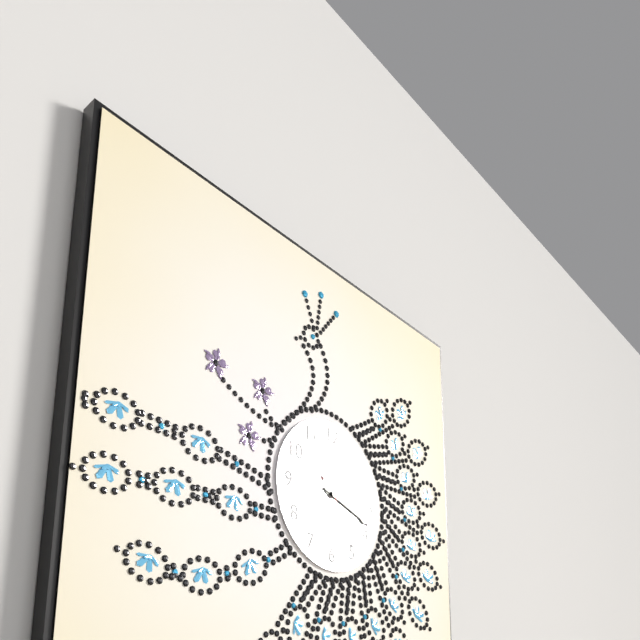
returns 3,18,24
